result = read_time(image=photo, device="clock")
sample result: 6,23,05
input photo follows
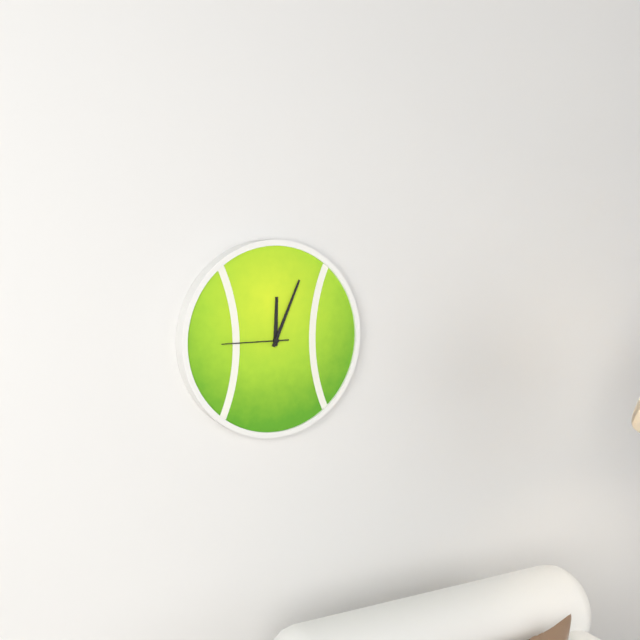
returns 12,04,45
